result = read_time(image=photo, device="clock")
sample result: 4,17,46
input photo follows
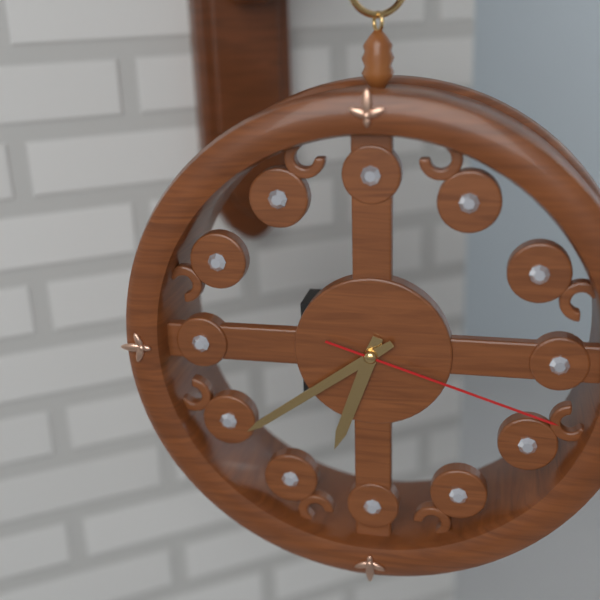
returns 6,39,18
